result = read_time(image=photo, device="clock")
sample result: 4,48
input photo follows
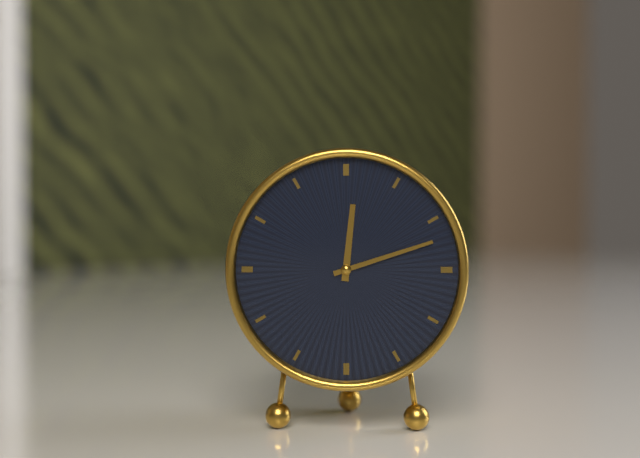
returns 12,12
